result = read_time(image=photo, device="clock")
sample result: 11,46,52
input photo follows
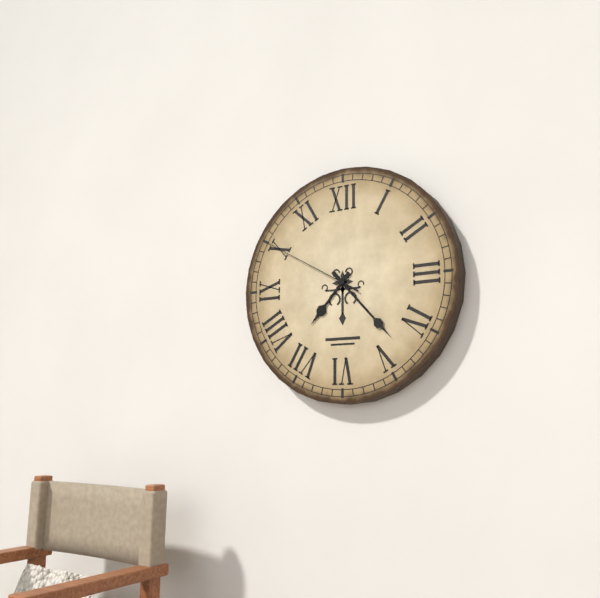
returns 7,23,50
